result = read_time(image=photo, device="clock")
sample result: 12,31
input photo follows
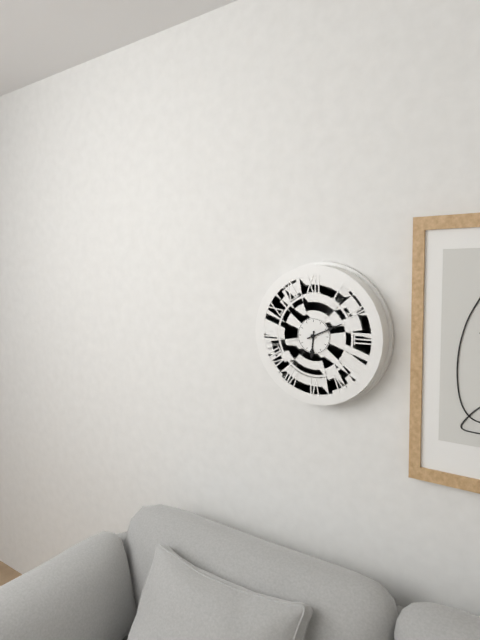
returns 6,11
